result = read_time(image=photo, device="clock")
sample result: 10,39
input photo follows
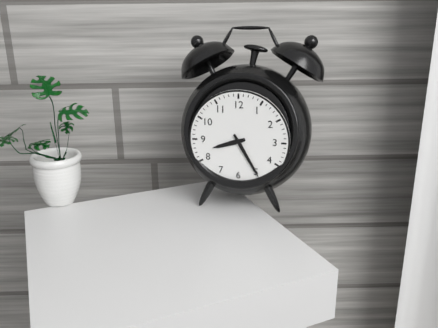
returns 8,25
